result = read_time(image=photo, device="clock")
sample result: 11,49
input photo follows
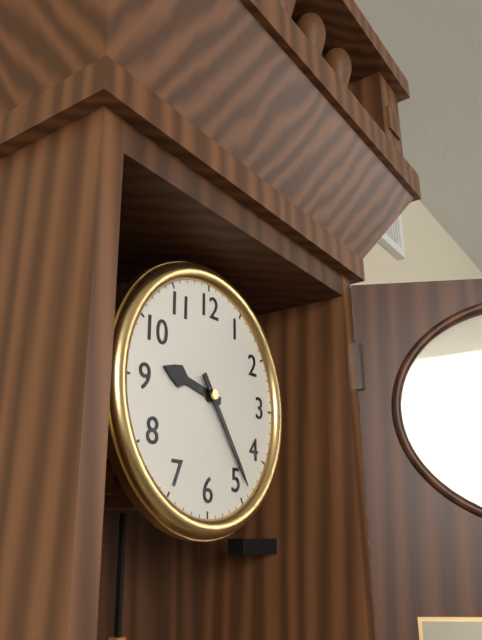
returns 9,24
